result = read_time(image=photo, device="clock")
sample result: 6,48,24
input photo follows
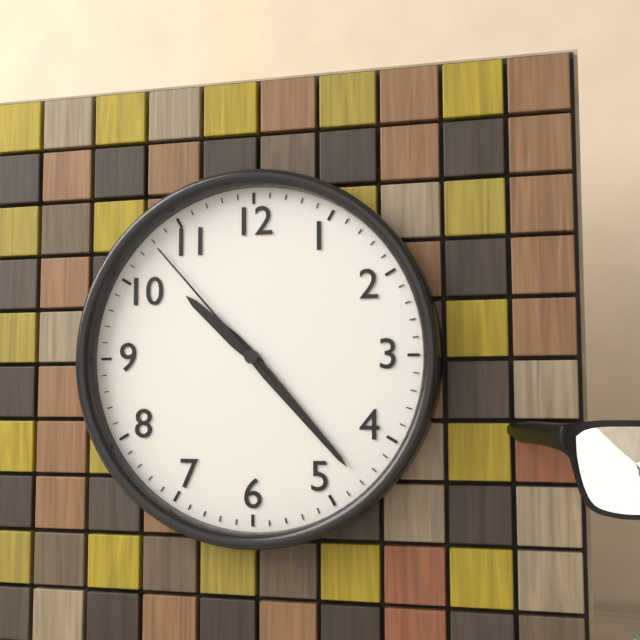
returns 10,23,53
